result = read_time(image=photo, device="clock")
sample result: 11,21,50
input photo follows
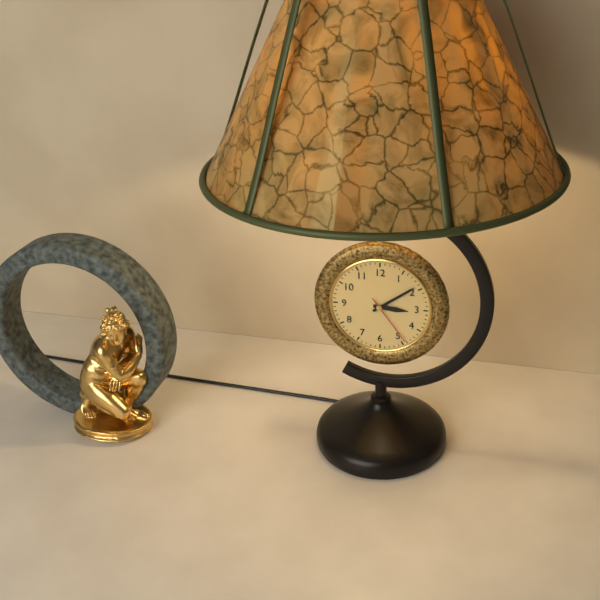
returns 3,09,24
